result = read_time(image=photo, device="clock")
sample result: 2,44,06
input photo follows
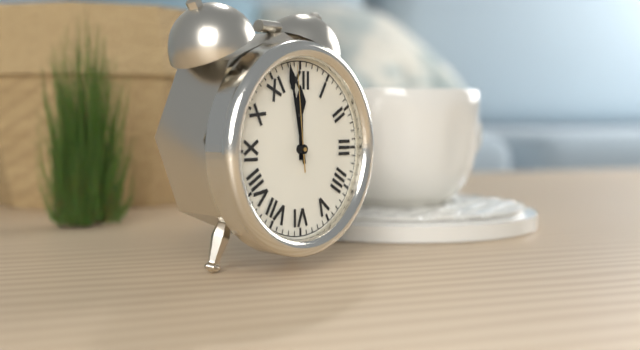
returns 11,58,59
